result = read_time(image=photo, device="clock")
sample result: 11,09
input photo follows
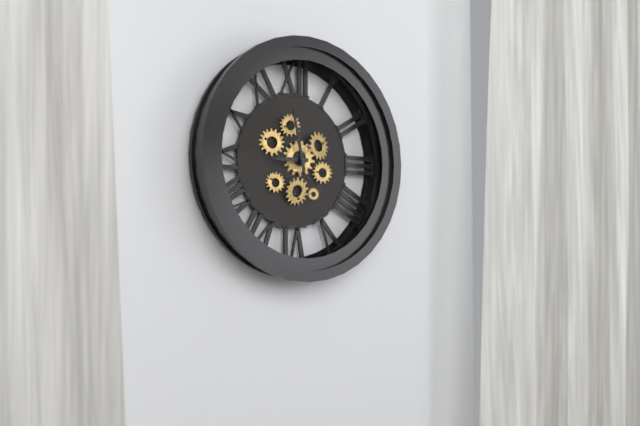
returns 8,58
